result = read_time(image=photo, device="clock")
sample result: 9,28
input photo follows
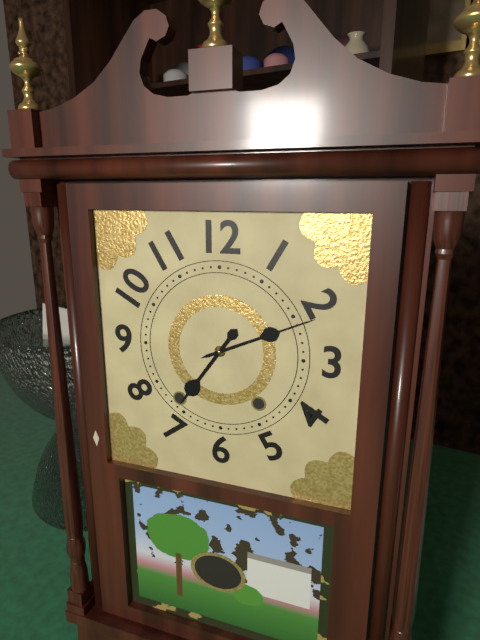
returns 7,11
